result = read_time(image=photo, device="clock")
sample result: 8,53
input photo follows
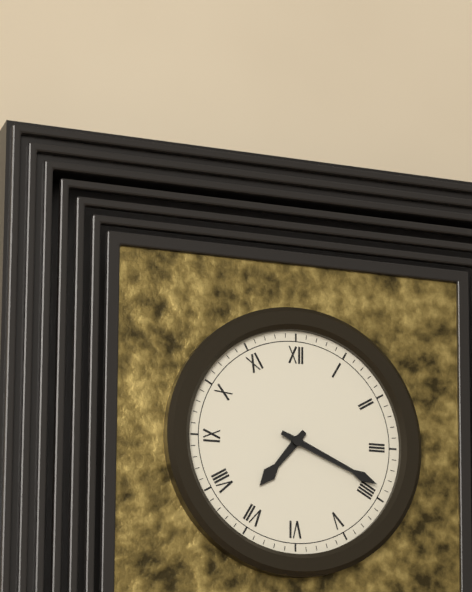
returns 7,19
